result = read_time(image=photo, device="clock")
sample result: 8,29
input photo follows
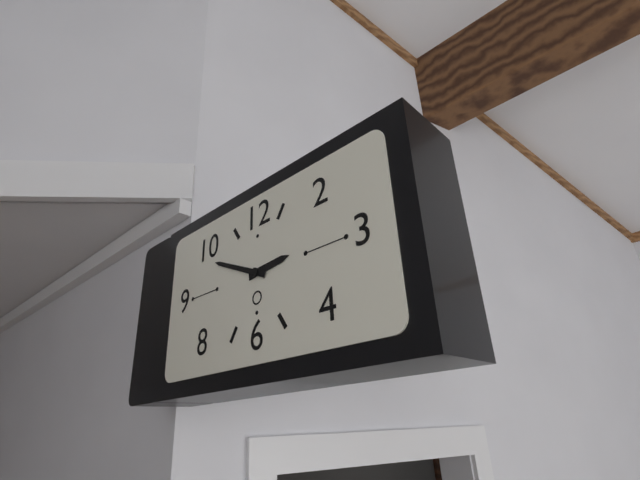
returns 2,49
